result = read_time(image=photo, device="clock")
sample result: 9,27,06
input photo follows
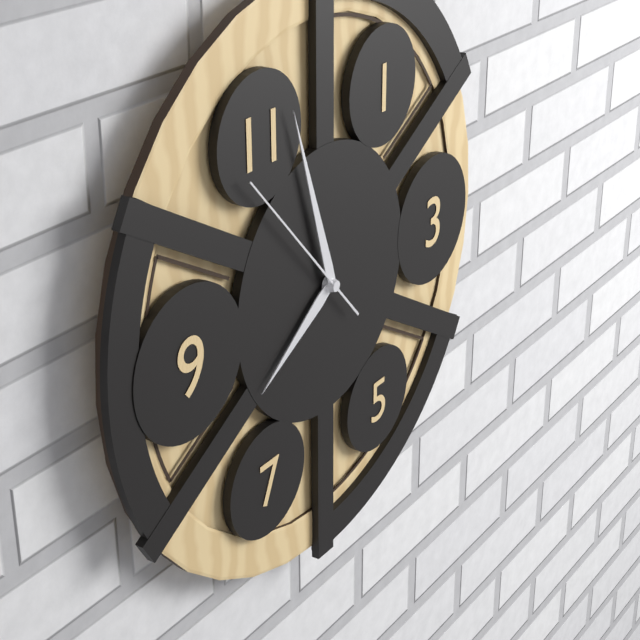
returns 7,57,53
